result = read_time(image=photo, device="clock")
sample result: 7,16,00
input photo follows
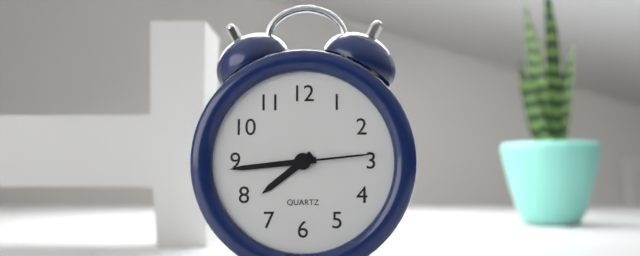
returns 7,44,14
